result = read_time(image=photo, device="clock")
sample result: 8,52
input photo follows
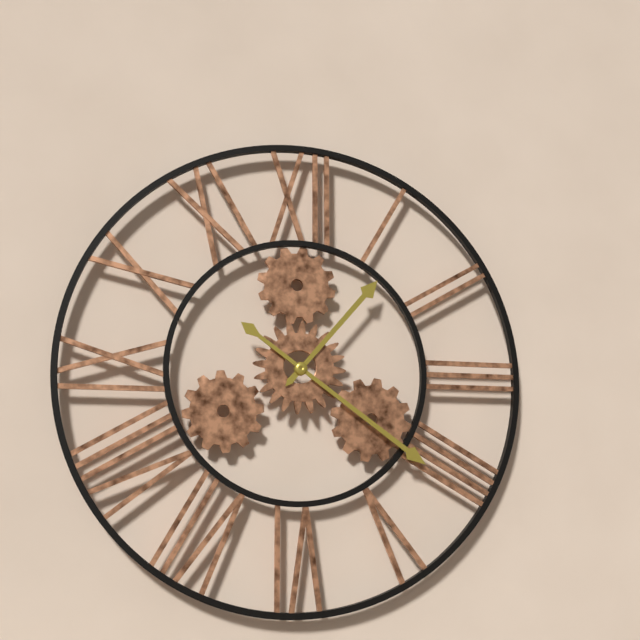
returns 1,21
